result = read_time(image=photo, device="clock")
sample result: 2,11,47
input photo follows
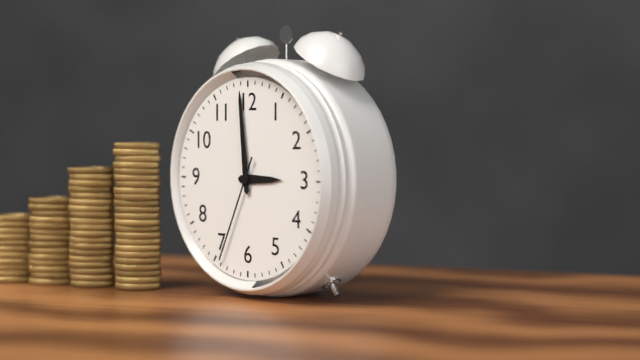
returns 2,59,34
